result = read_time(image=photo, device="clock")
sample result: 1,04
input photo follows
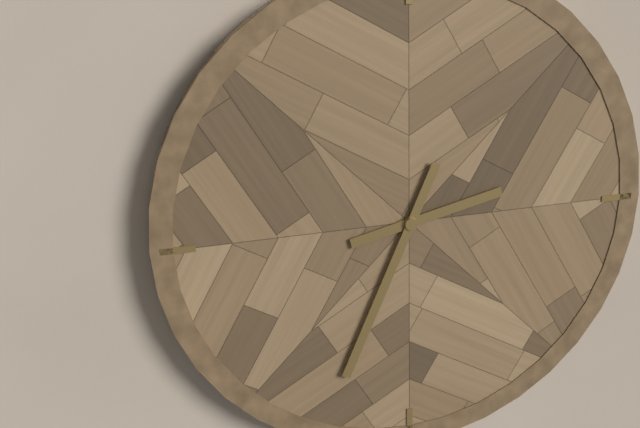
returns 2,34
